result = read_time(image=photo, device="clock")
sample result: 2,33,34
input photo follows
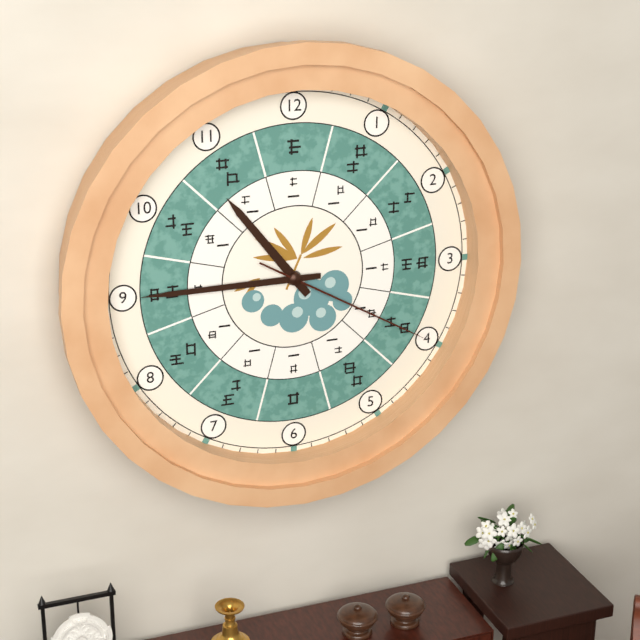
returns 10,45,20
